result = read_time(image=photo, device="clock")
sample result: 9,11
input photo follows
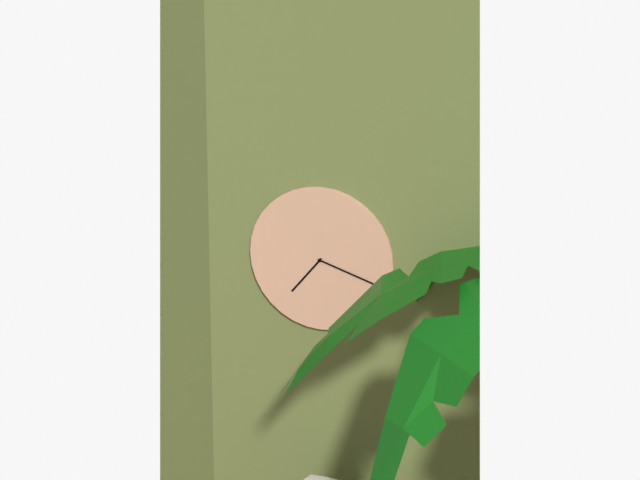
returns 7,18
